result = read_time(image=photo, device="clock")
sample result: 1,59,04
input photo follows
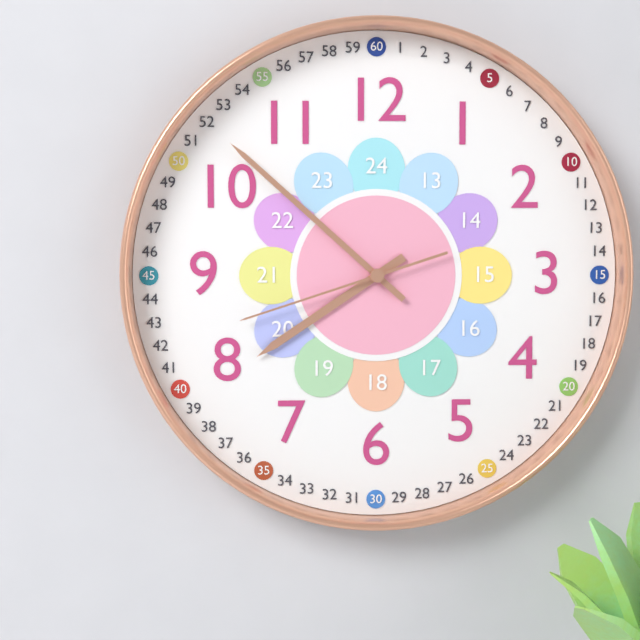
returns 7,52,42
